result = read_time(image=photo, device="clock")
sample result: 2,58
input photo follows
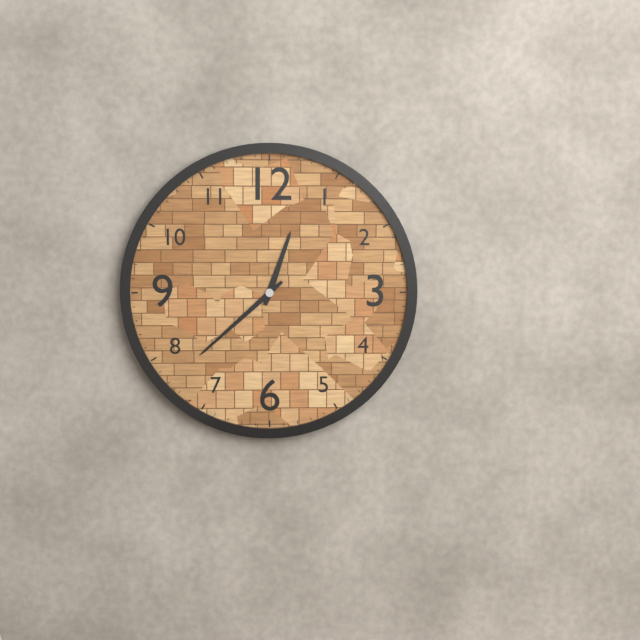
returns 12,38
